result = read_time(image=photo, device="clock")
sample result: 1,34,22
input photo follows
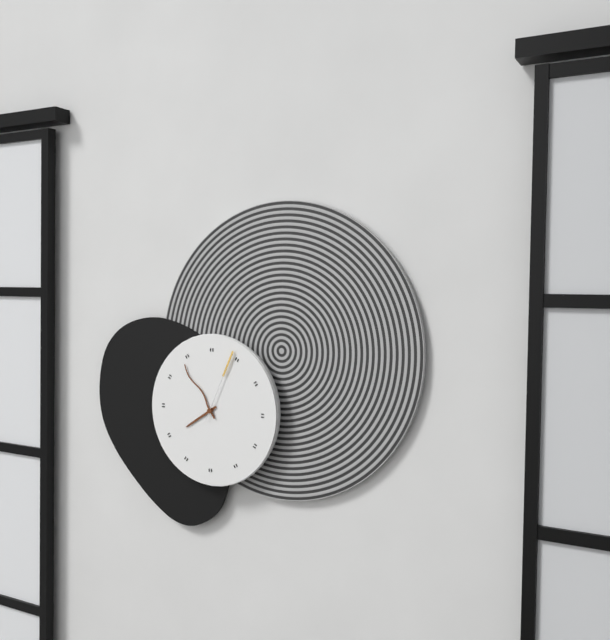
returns 7,54,04
